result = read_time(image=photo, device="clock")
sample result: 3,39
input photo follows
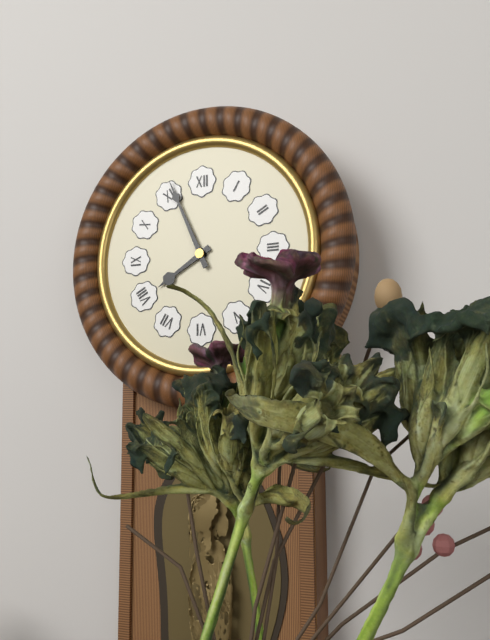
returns 7,56
